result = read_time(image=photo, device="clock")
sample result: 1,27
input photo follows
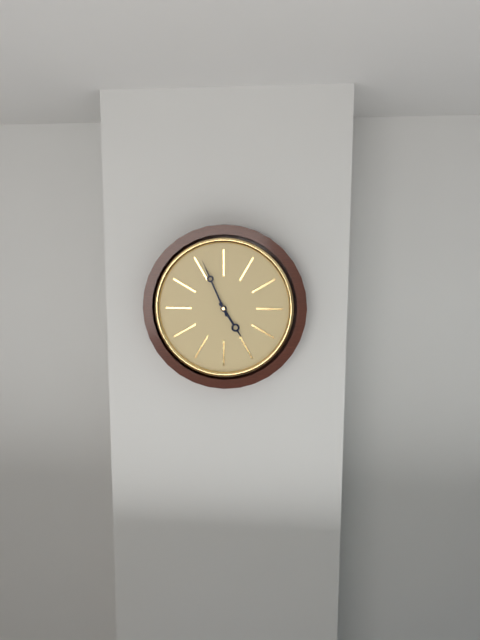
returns 4,56
